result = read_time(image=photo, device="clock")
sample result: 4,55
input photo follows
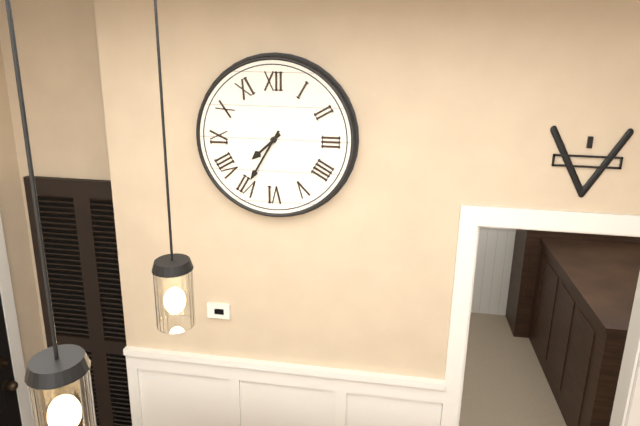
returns 7,35
